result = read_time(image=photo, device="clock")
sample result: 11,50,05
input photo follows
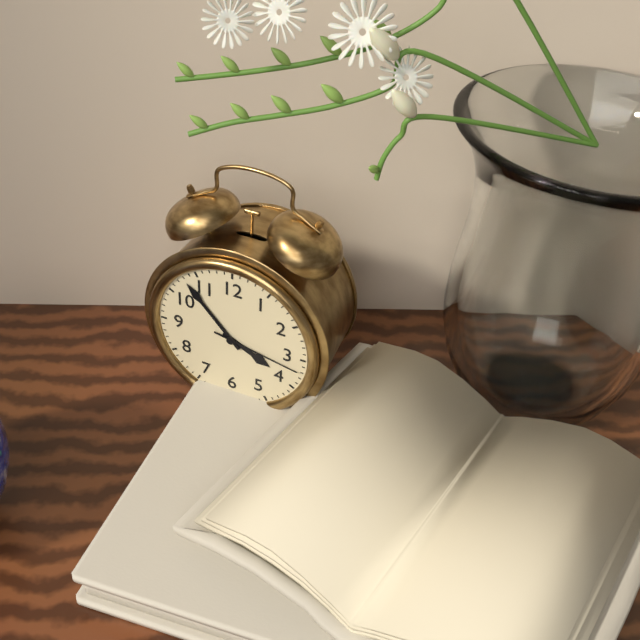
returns 3,53,17
